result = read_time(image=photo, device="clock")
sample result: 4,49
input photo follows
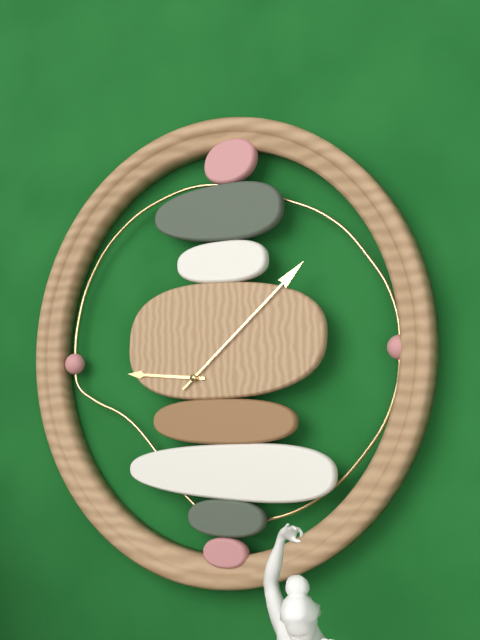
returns 9,08
